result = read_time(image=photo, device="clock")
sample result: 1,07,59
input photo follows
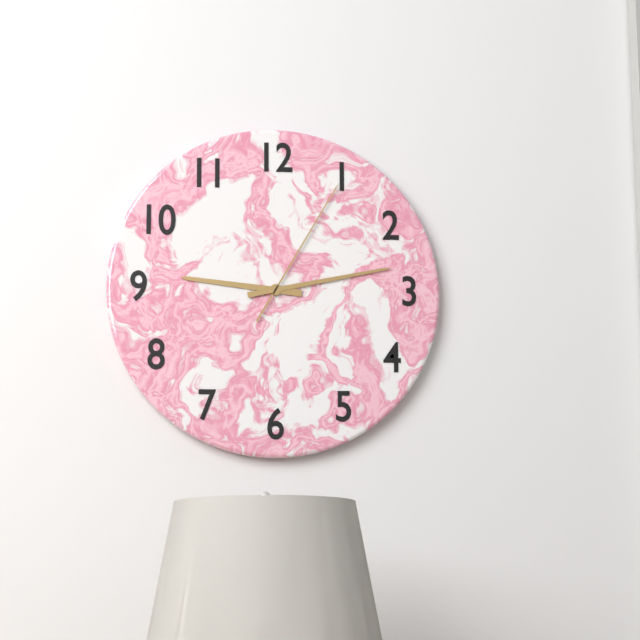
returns 9,13,05
